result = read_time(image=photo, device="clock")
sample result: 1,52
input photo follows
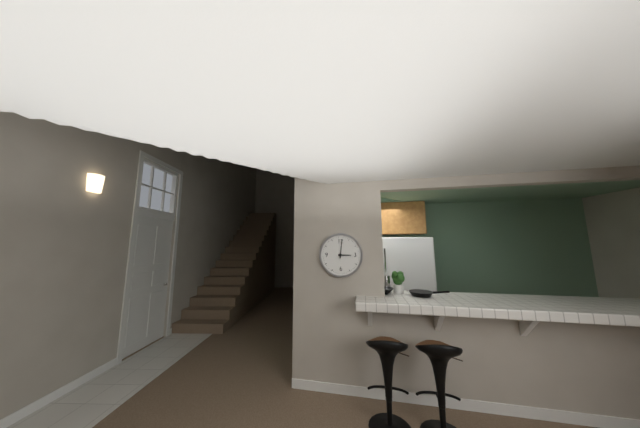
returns 3,01
